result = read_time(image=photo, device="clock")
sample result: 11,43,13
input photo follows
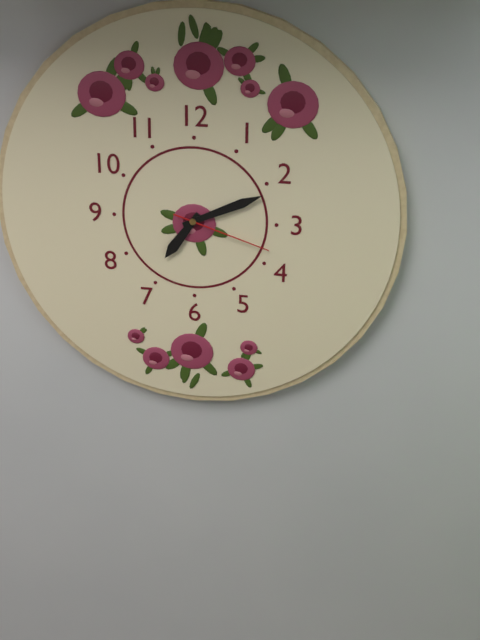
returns 7,11,18
